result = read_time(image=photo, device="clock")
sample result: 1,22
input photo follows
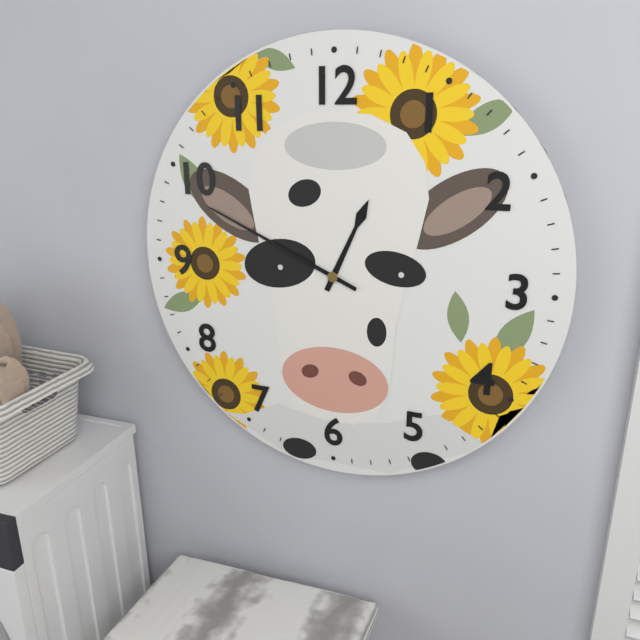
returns 12,49
